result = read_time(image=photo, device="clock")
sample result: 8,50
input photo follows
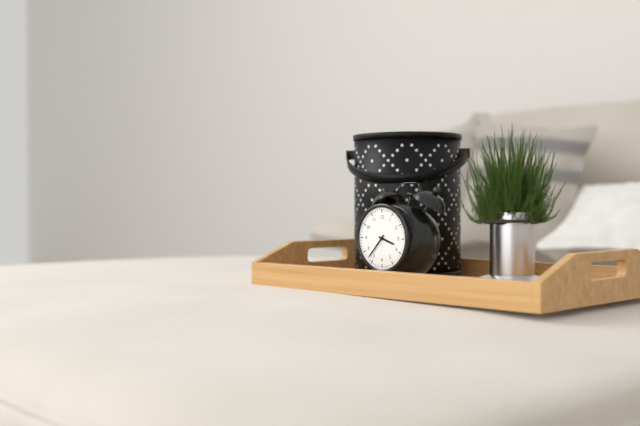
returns 3,37
